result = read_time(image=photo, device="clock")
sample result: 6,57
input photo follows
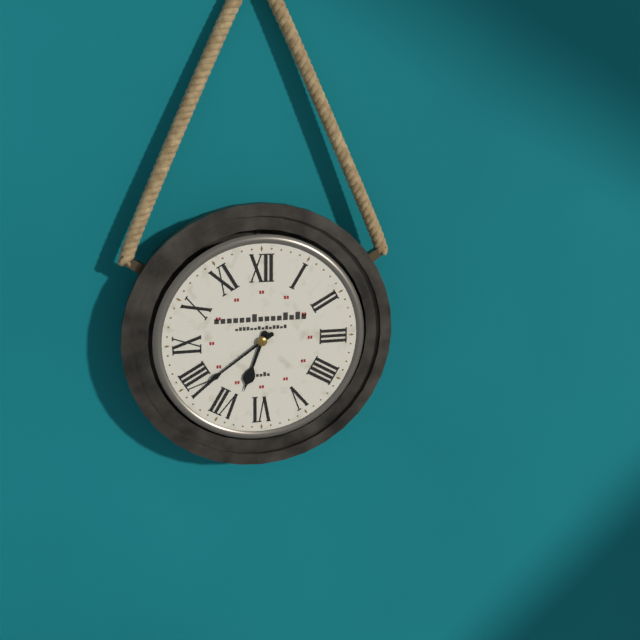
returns 6,39
